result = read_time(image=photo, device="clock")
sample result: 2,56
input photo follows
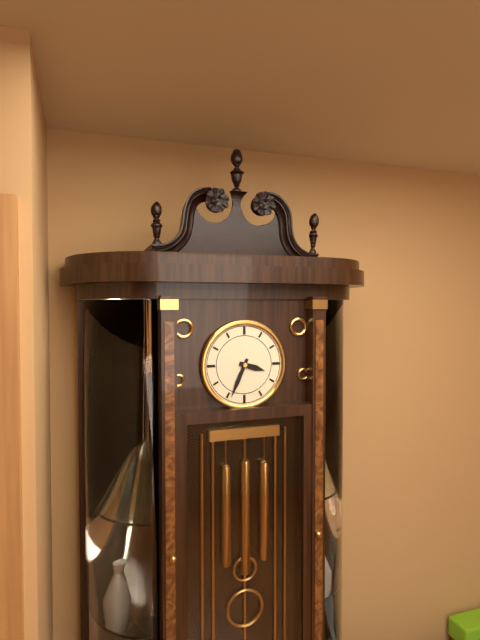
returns 3,34
